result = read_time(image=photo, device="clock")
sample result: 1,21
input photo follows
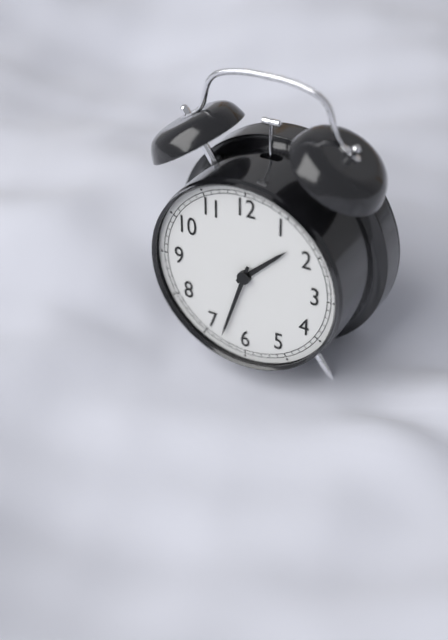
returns 1,33
